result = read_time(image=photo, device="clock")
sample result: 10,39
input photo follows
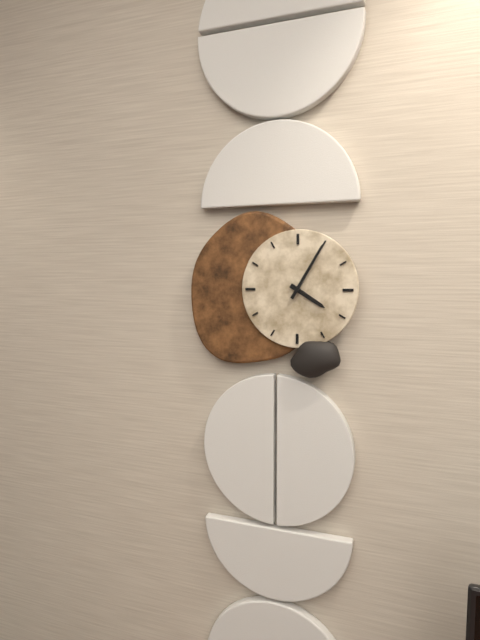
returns 4,05
